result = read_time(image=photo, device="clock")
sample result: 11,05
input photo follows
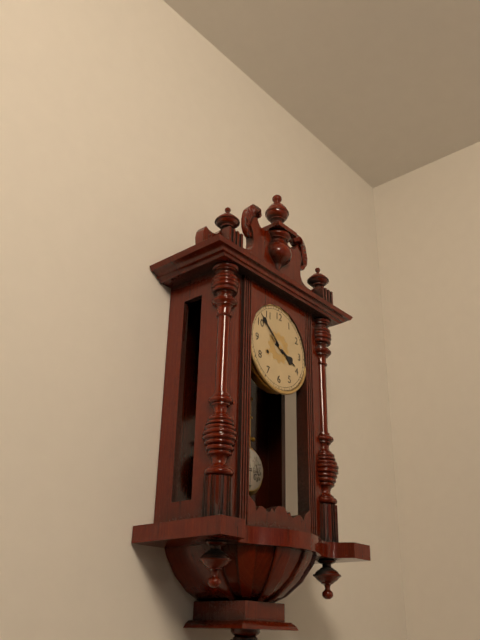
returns 3,52
